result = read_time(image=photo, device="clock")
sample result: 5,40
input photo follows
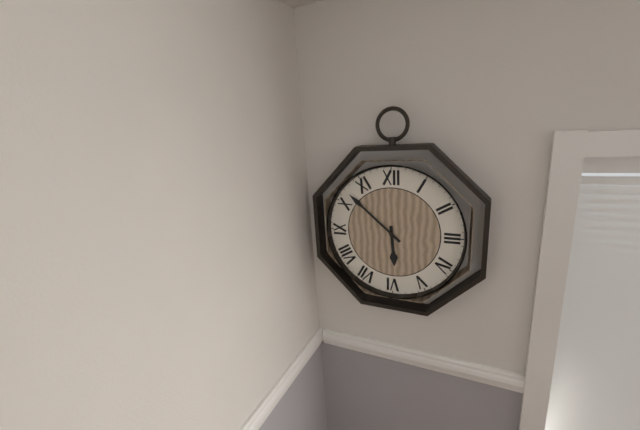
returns 5,52
